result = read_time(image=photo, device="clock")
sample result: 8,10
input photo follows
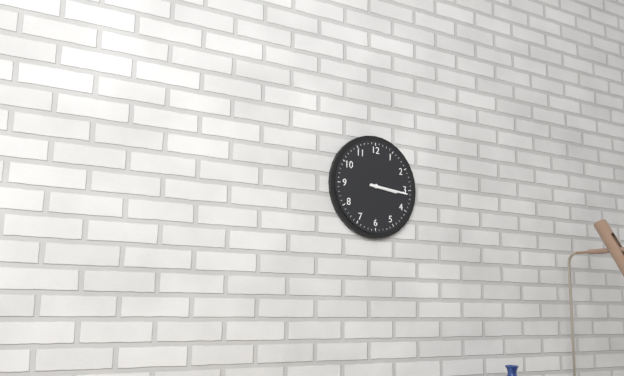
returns 3,16
